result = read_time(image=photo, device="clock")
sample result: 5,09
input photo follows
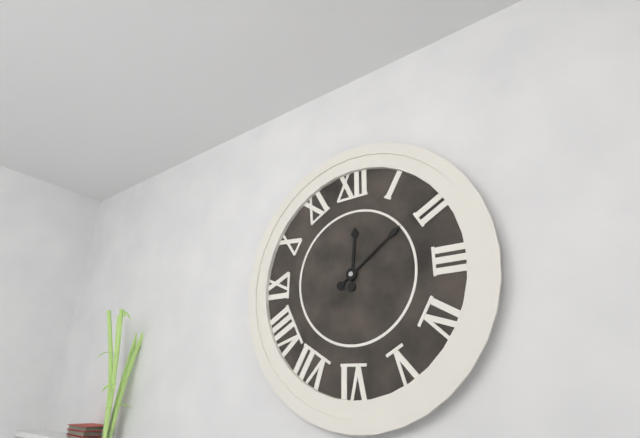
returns 12,09
